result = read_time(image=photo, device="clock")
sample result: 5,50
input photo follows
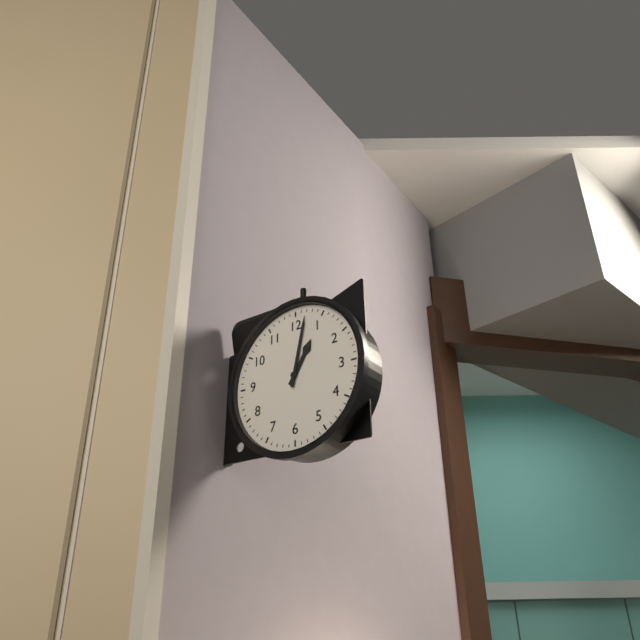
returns 1,02
